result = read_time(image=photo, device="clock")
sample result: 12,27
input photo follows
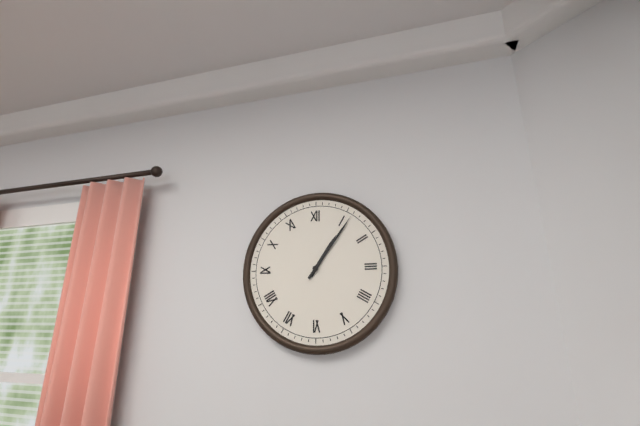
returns 1,06
